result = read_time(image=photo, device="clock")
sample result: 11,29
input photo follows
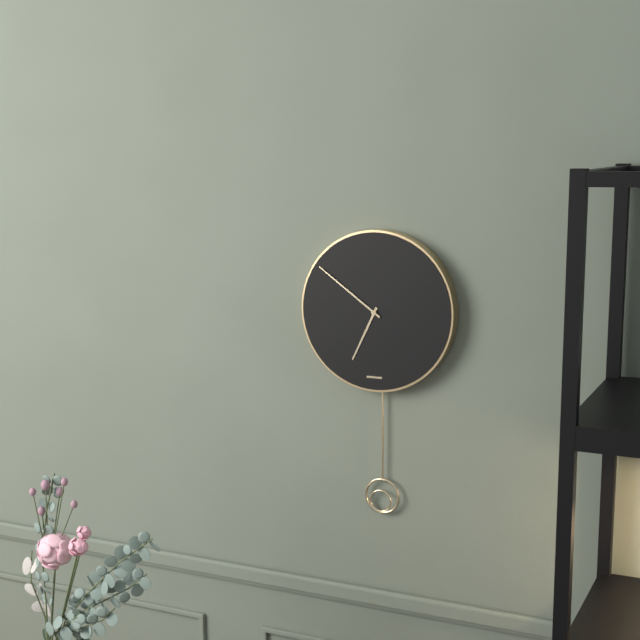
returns 6,51
